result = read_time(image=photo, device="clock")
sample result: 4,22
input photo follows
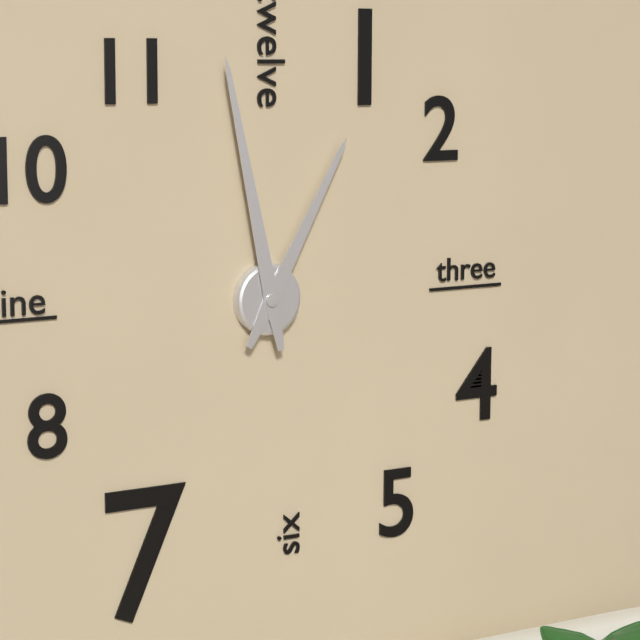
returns 12,58
